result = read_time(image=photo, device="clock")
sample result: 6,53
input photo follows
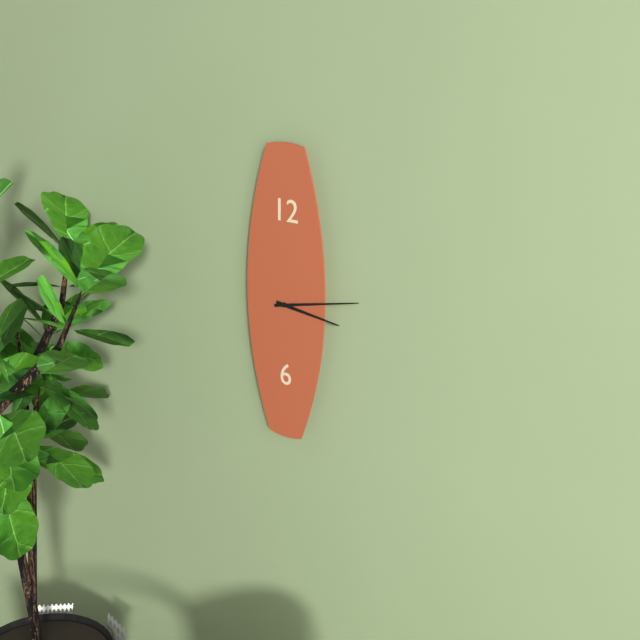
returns 3,13
